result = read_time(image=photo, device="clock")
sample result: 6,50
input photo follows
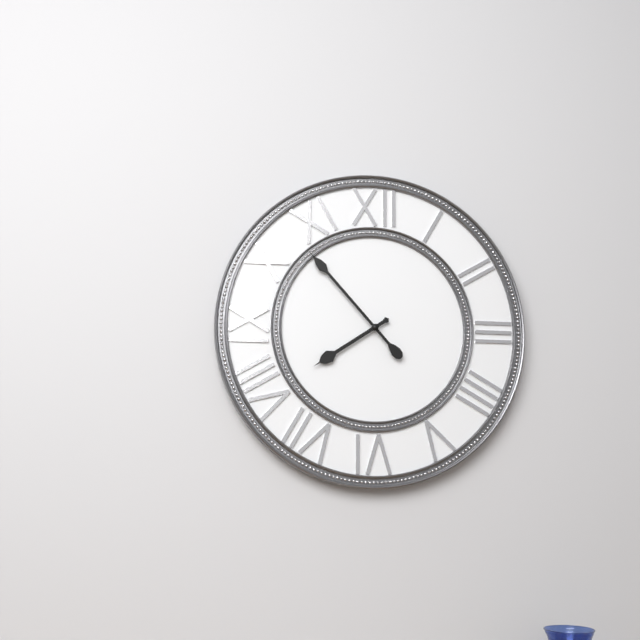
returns 7,53
